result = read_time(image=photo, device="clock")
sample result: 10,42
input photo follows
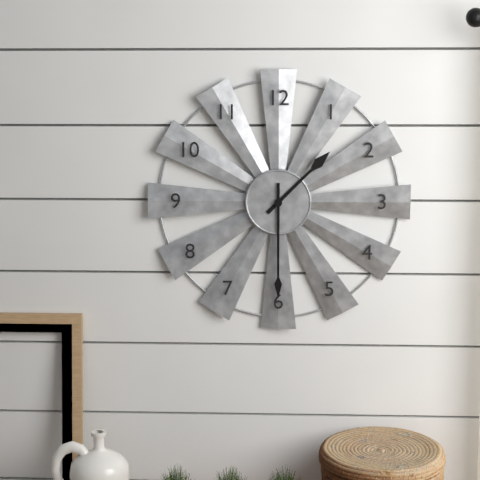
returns 1,30
